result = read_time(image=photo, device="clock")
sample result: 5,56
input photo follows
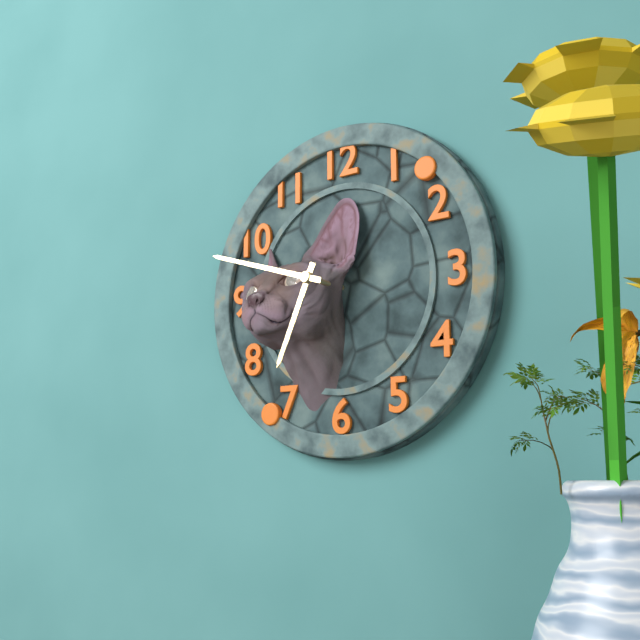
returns 6,48
